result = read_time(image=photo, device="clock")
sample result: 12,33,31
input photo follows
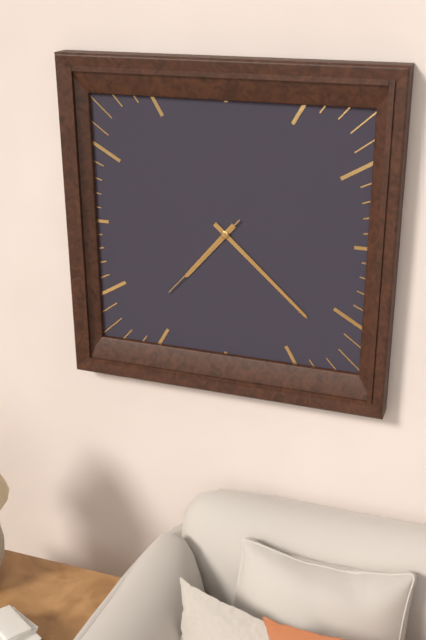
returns 7,22,37
